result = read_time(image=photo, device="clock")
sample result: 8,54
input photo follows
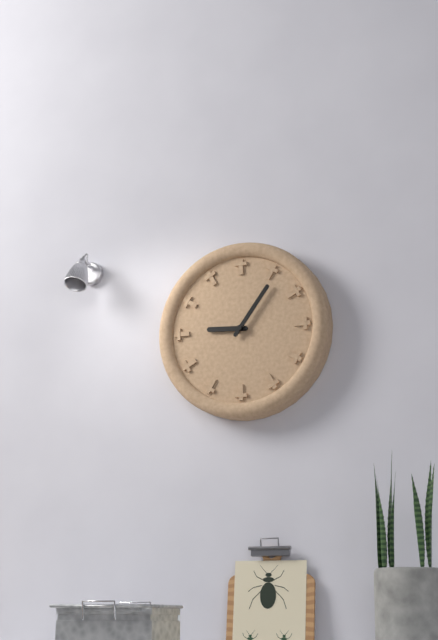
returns 9,06
